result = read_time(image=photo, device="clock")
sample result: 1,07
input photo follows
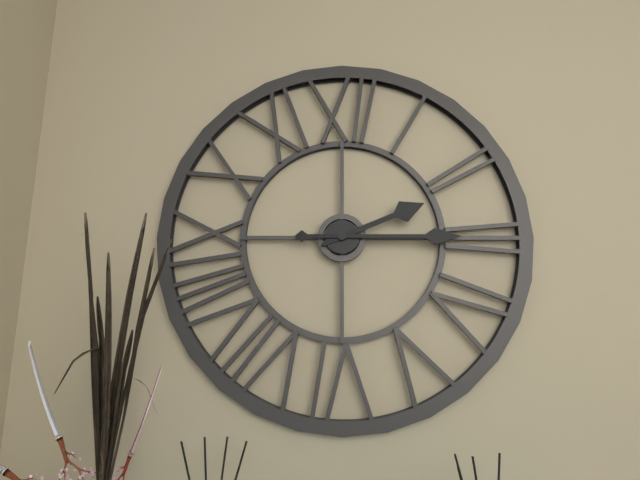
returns 2,15
